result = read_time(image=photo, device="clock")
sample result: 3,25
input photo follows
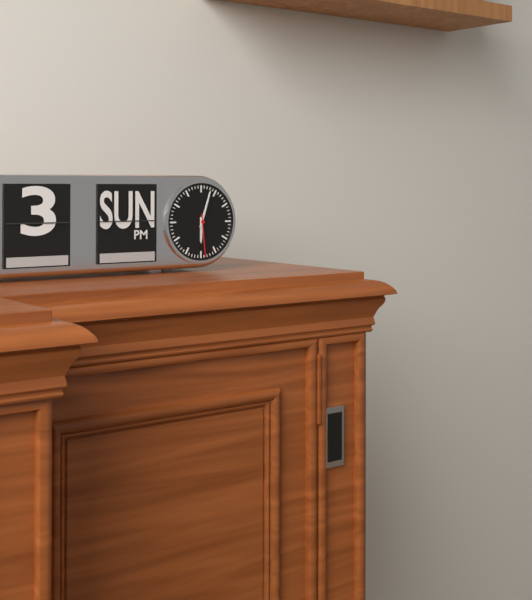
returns 6,03
